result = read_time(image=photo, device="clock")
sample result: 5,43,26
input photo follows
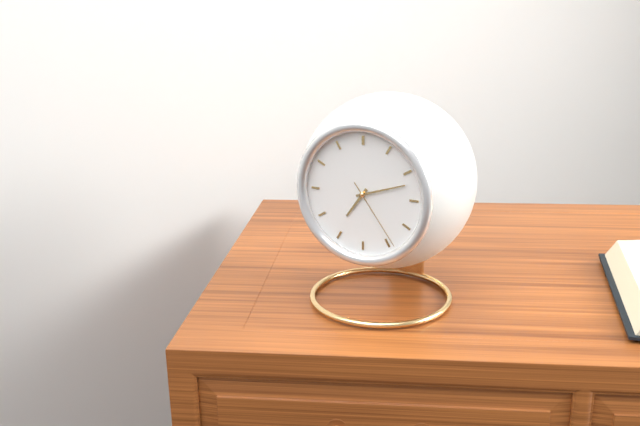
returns 7,12,24
